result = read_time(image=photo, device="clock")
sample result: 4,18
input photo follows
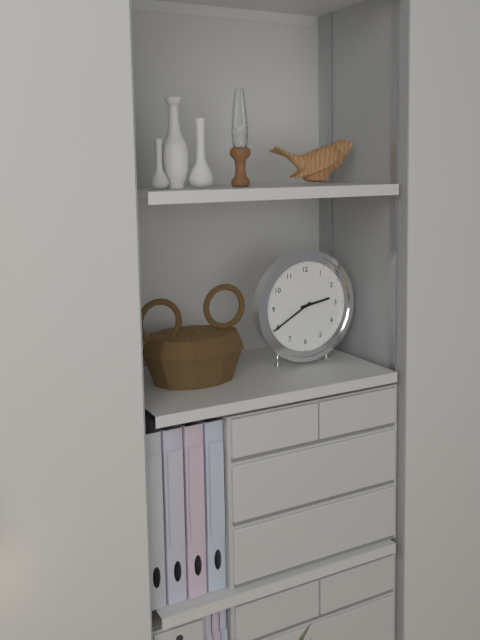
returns 2,40
